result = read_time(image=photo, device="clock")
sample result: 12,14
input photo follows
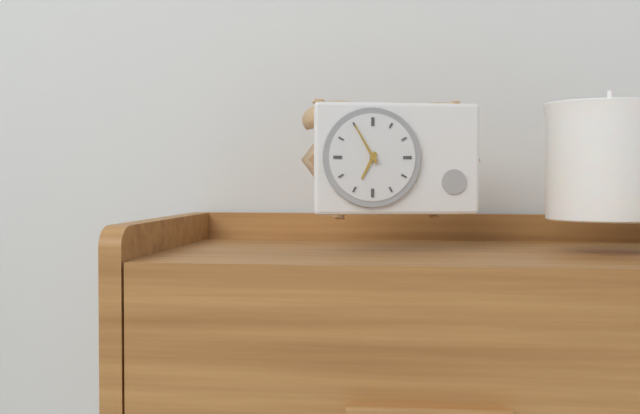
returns 6,55
